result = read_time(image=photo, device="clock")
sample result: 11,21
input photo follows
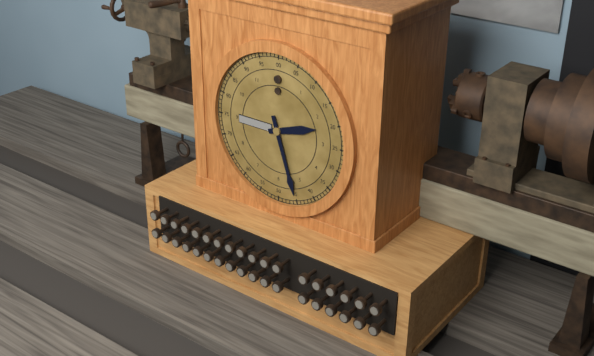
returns 2,27
